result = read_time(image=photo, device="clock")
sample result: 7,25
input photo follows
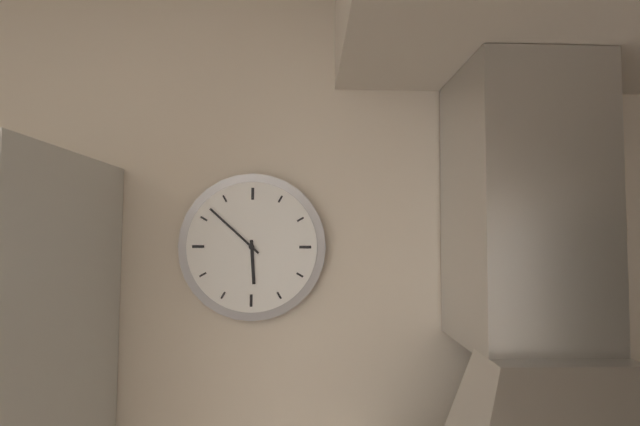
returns 5,52
